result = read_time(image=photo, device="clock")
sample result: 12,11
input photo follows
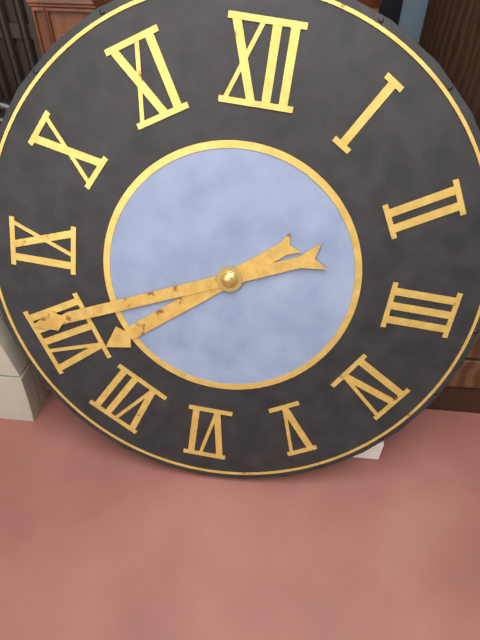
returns 7,41
